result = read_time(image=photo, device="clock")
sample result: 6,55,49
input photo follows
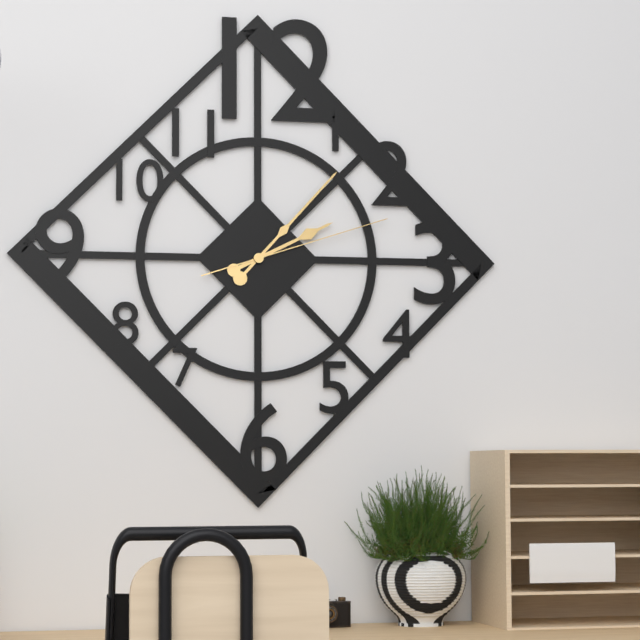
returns 2,07,12
